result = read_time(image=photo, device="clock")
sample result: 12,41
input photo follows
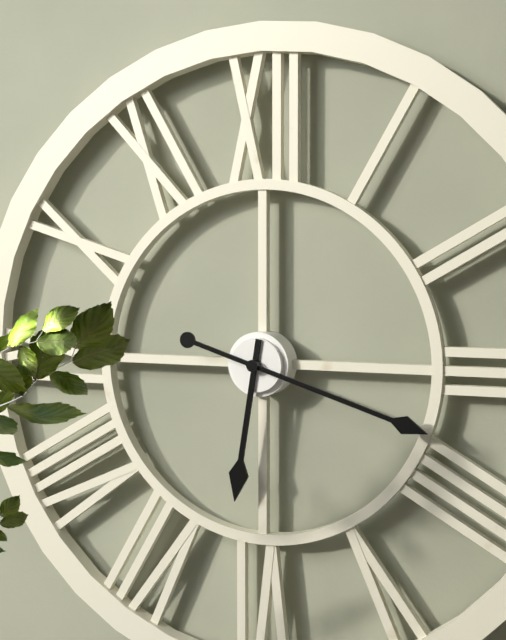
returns 6,18
